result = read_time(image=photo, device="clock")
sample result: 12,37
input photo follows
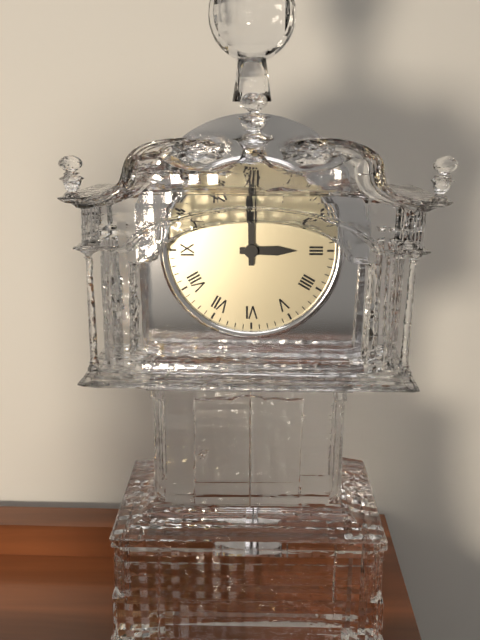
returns 3,00
